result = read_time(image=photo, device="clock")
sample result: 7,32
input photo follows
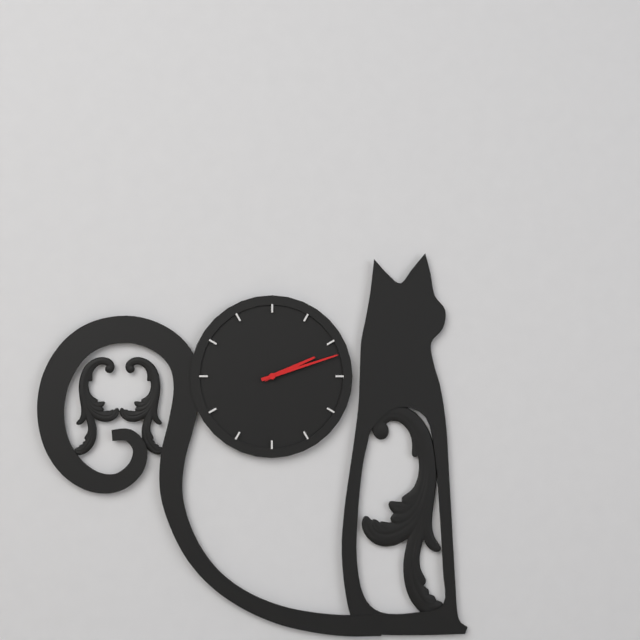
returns 2,12
